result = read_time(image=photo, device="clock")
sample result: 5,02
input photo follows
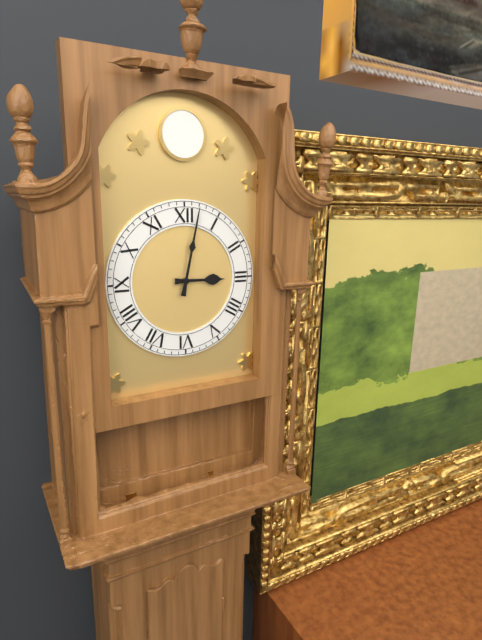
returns 3,02
